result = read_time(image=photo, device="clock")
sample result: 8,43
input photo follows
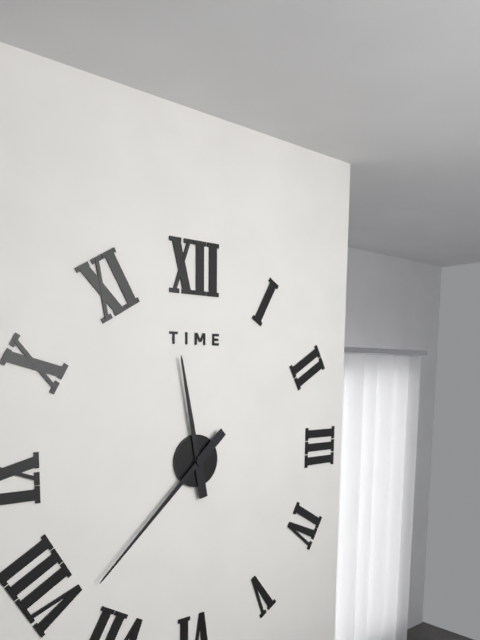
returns 11,38
